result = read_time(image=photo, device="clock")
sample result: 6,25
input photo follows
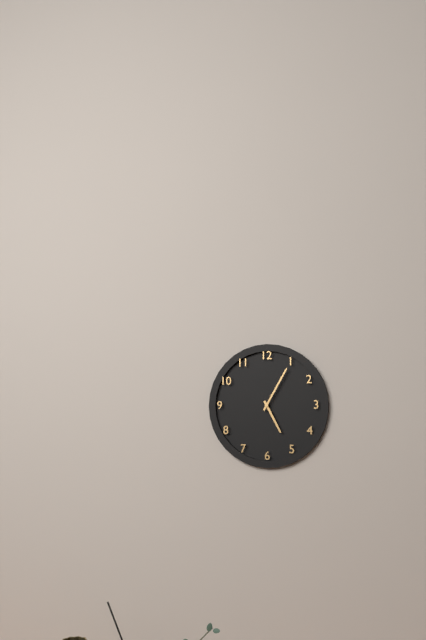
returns 5,05
